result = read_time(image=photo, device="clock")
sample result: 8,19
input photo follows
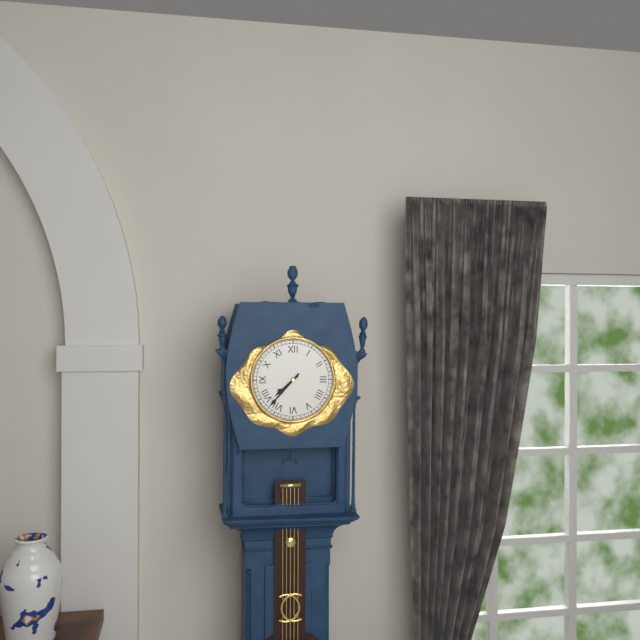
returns 7,37
